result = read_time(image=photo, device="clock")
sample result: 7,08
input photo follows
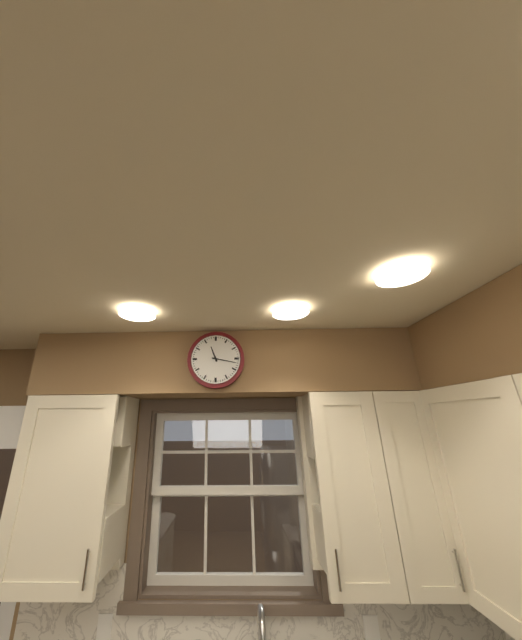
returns 11,17
